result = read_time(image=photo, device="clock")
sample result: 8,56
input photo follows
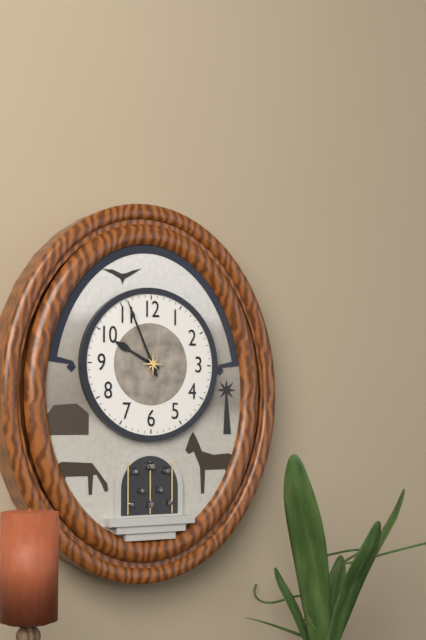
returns 9,56
